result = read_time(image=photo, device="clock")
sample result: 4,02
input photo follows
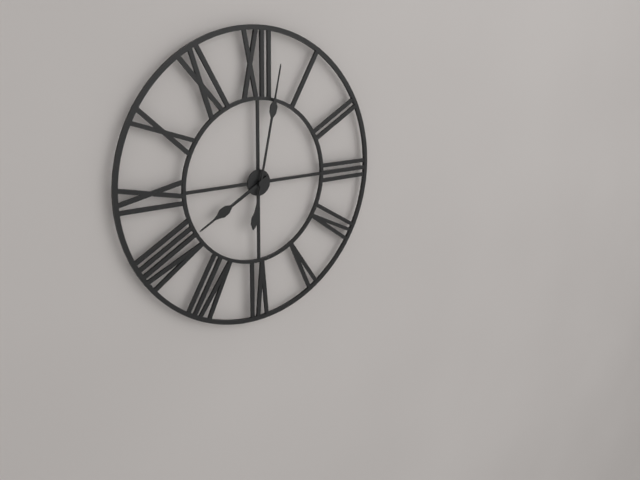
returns 8,02
